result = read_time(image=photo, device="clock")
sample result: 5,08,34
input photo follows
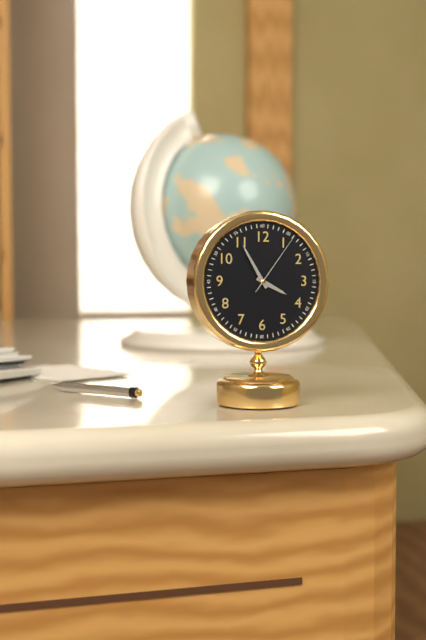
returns 3,55,06
